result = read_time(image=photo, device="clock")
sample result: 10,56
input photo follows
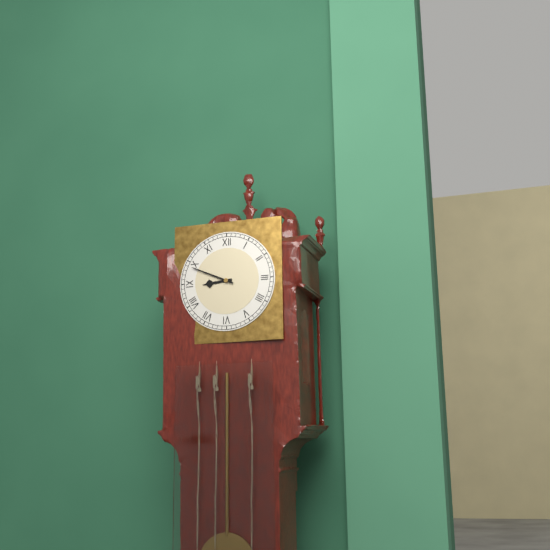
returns 8,49
